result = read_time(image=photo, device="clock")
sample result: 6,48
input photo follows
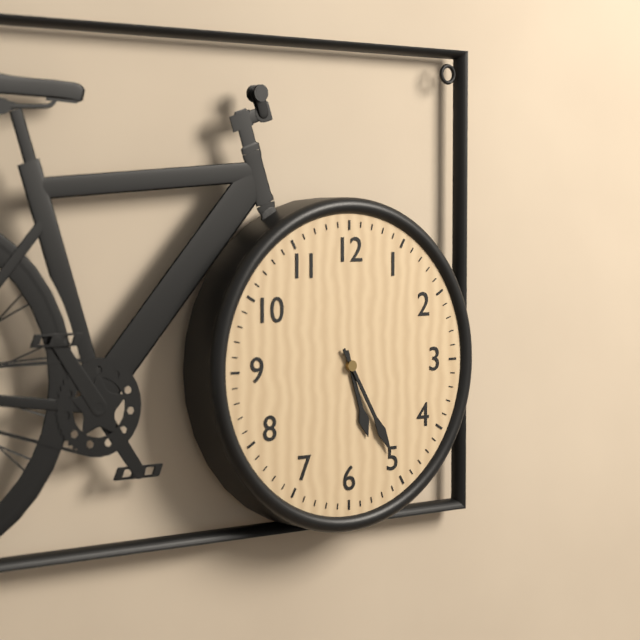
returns 5,25
